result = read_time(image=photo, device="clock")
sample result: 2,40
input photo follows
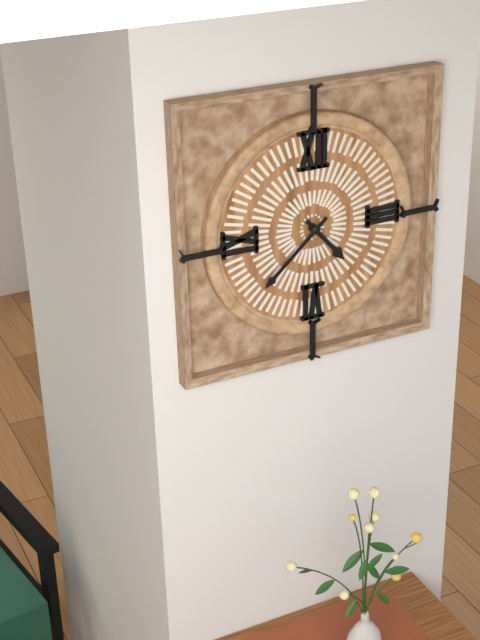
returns 4,38
